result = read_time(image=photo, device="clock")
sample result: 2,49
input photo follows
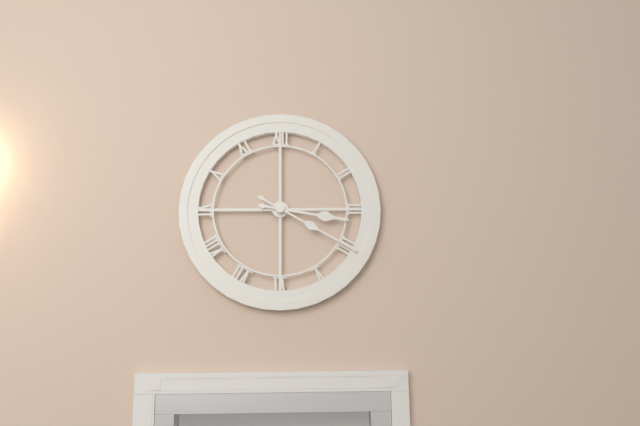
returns 3,20
